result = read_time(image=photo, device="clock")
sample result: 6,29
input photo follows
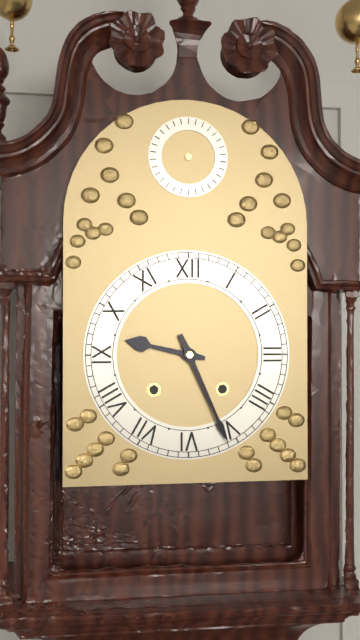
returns 9,26
